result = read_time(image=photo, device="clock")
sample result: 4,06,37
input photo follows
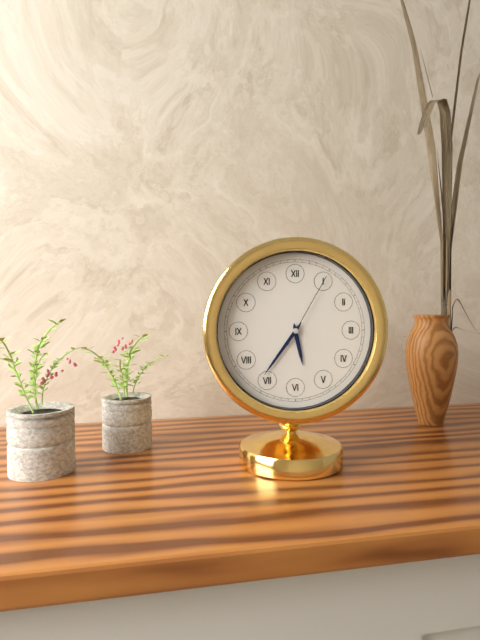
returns 5,36,05
